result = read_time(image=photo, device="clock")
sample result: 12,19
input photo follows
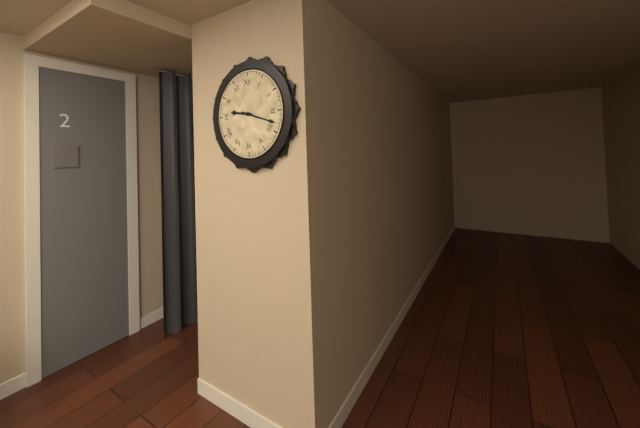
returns 9,18
